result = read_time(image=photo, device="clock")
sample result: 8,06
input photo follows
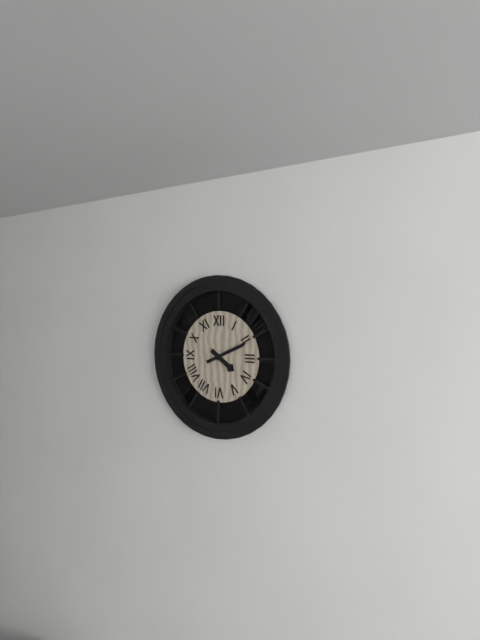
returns 4,11
